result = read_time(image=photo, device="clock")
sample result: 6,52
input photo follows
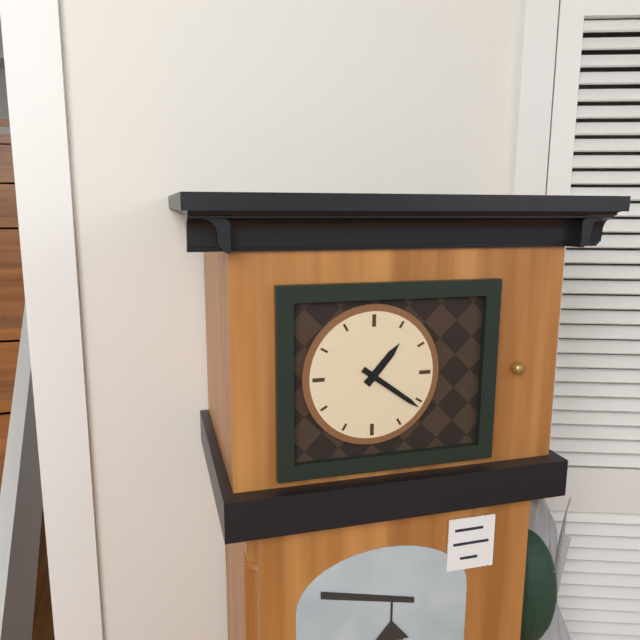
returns 1,21
